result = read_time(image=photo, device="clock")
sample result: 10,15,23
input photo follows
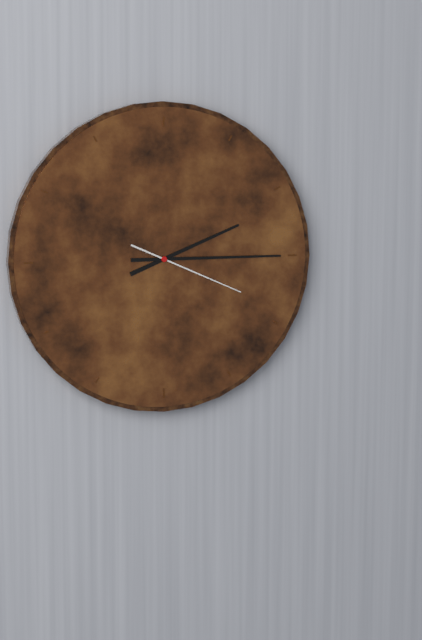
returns 2,15,19
